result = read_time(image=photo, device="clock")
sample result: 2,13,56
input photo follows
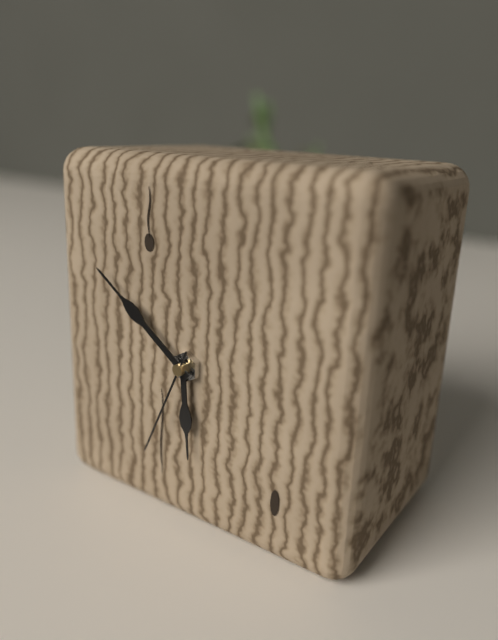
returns 5,51,34
